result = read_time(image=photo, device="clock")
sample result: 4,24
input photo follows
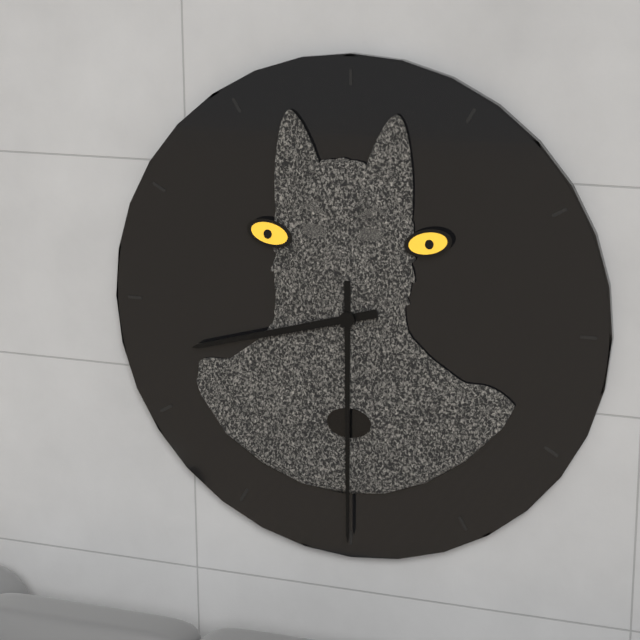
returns 8,30
